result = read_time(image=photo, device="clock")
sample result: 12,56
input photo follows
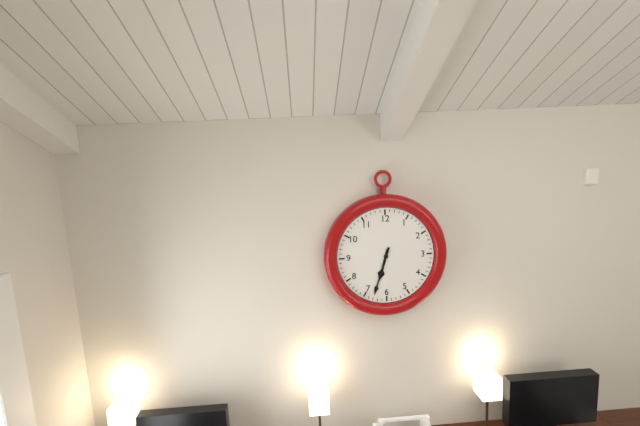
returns 6,33
